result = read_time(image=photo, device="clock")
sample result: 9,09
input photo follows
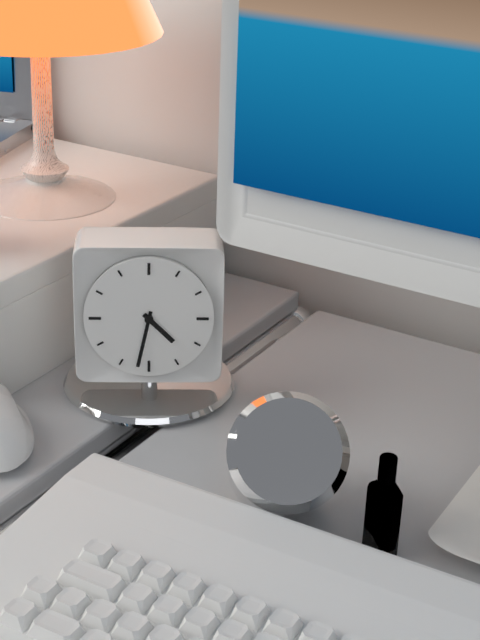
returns 4,32
